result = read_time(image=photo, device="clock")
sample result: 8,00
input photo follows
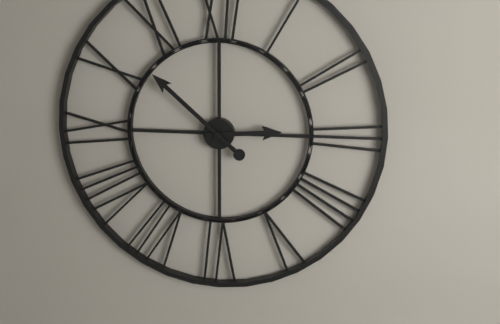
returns 2,52
